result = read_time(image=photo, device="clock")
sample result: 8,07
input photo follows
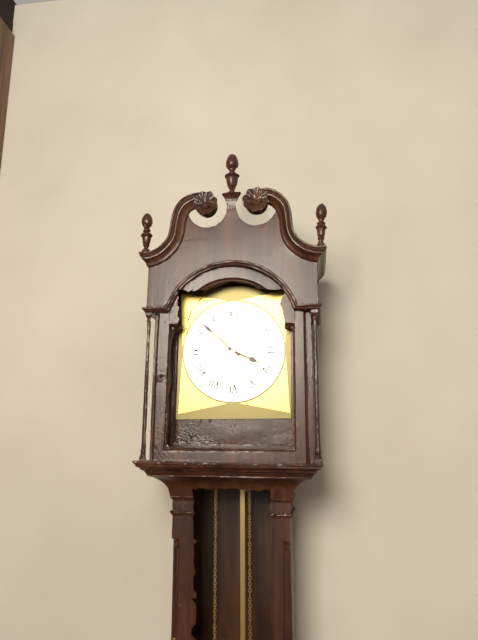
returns 3,52
